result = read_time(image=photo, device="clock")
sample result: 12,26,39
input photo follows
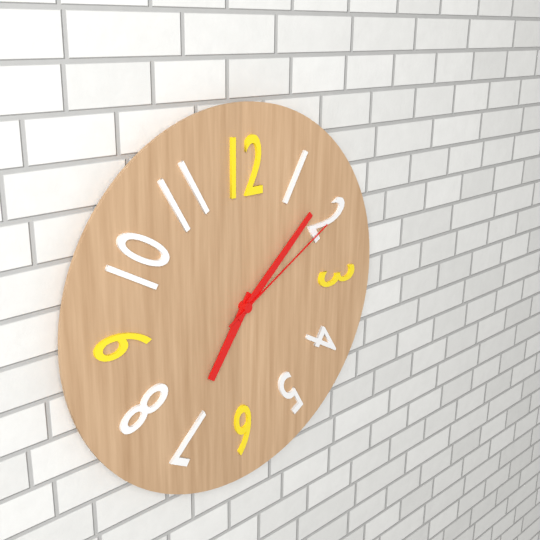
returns 7,08,10
